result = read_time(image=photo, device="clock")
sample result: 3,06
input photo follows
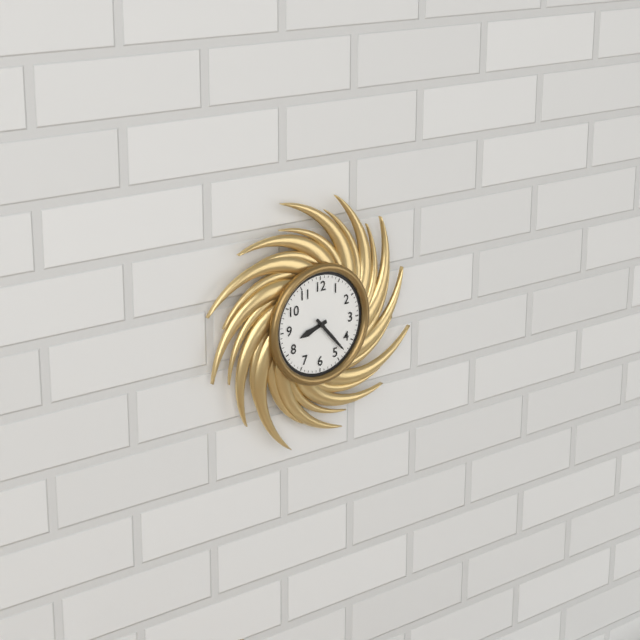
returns 8,23
